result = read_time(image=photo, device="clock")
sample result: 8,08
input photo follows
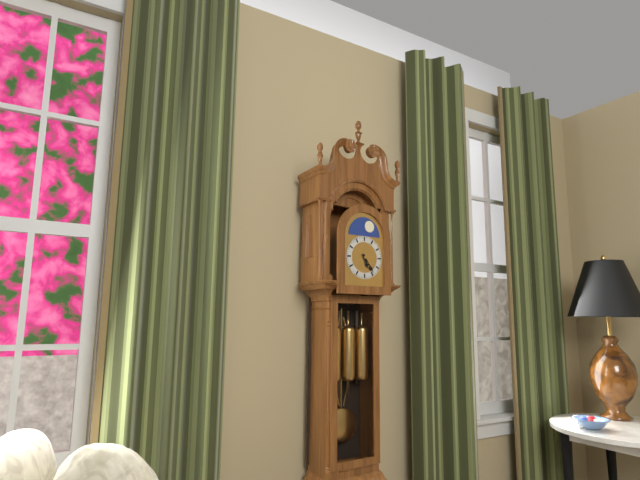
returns 5,24
